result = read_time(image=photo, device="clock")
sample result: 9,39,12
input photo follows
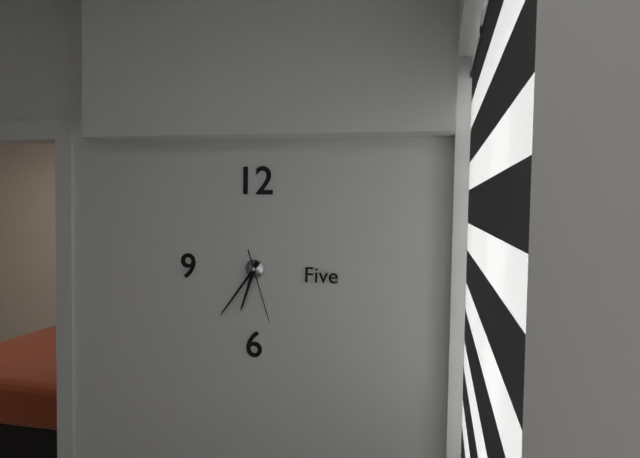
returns 6,36,27
